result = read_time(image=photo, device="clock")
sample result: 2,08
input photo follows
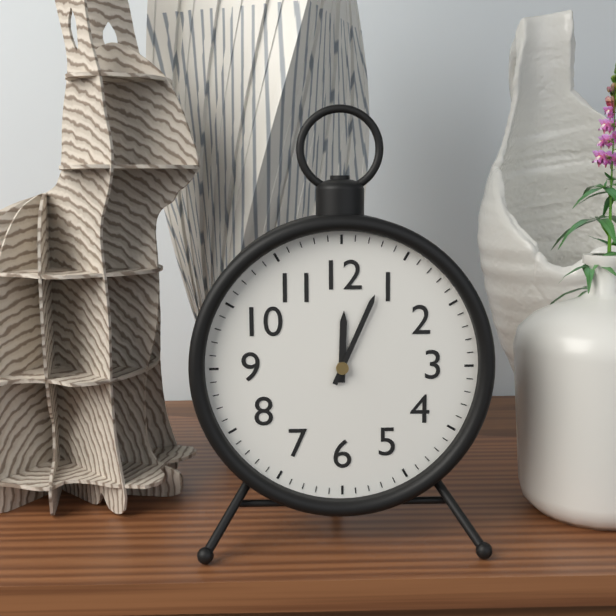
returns 12,04
